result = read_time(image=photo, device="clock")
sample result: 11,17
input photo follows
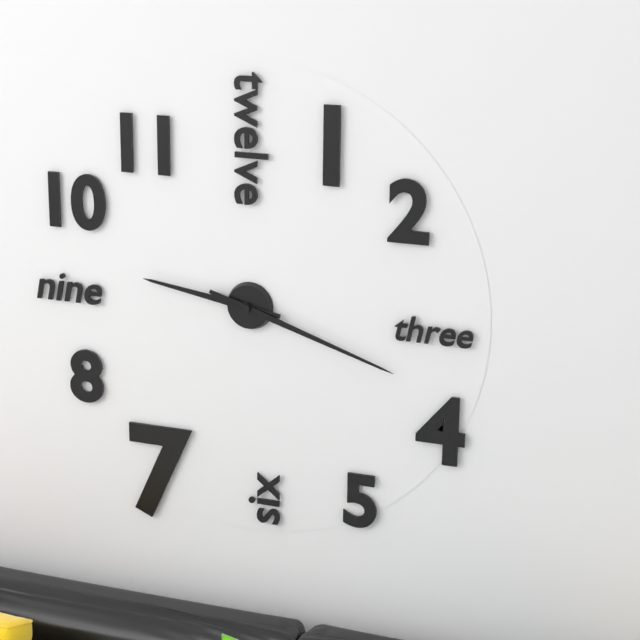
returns 9,18
